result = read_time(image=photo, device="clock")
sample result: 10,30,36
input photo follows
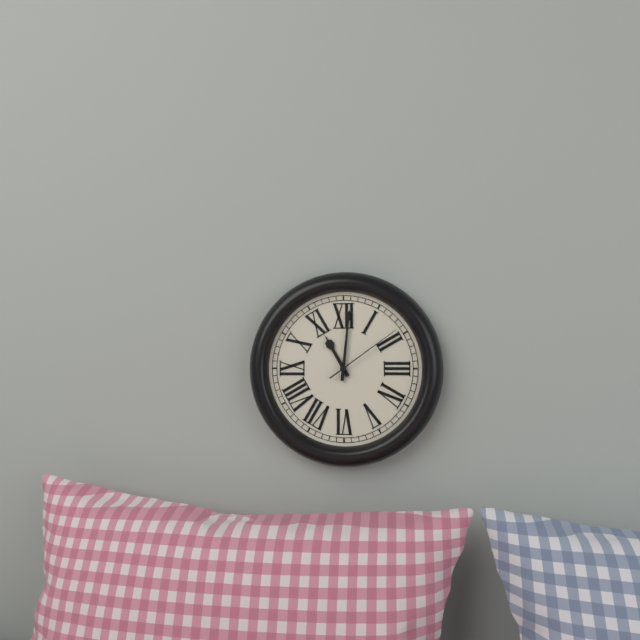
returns 11,01,09
